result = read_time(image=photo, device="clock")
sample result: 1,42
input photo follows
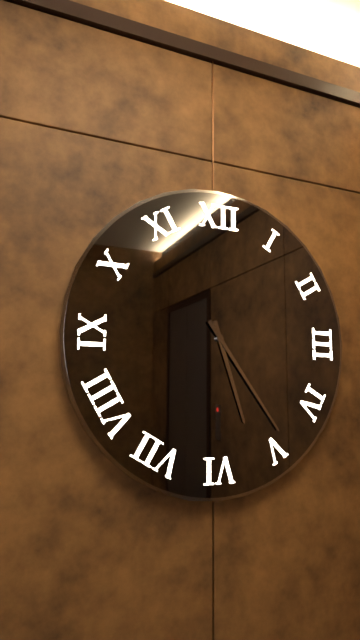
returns 5,24
